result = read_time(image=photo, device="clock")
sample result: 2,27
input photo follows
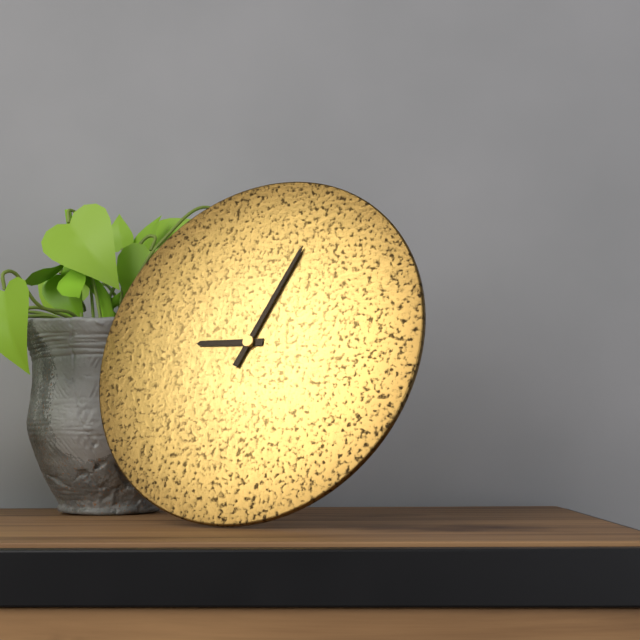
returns 9,04
